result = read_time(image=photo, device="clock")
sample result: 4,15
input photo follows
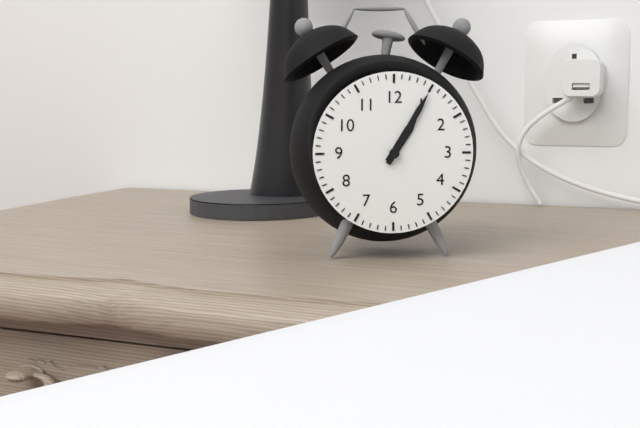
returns 1,05
